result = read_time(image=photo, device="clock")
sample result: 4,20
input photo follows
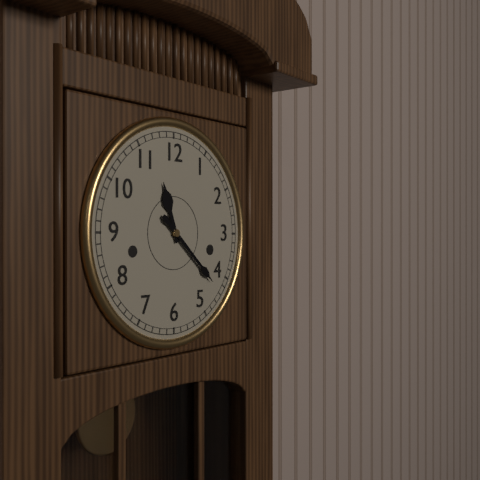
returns 11,22
